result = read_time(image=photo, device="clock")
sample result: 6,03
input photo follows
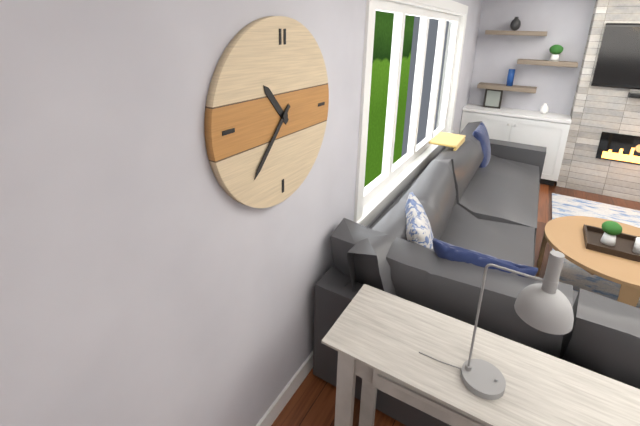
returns 10,37
